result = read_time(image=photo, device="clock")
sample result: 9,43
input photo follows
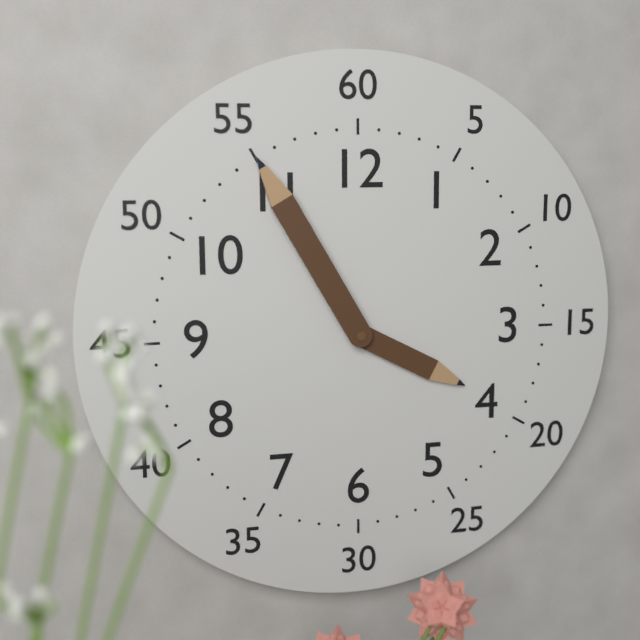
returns 3,55
